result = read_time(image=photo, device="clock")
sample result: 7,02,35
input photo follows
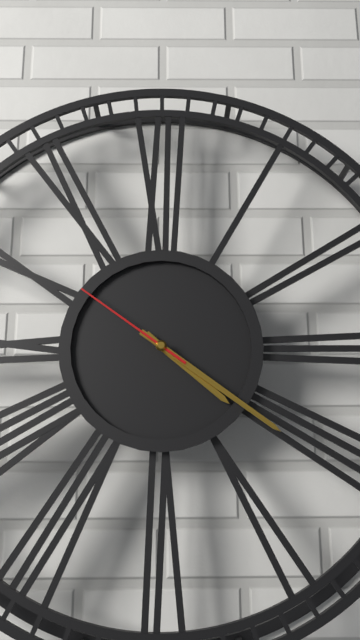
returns 4,21,51
